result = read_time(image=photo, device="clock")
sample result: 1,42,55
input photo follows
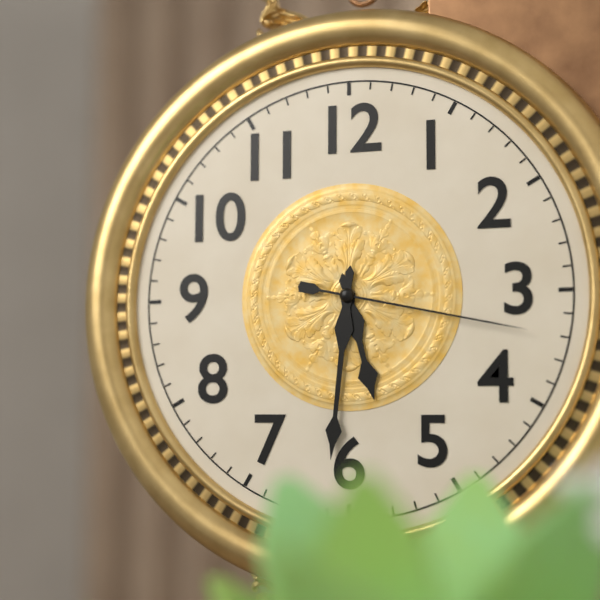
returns 5,31,17
